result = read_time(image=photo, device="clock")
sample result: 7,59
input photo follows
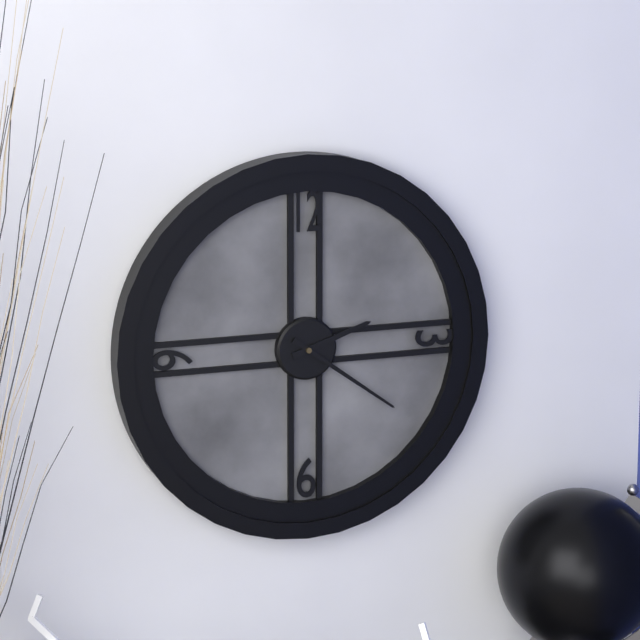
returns 2,21
